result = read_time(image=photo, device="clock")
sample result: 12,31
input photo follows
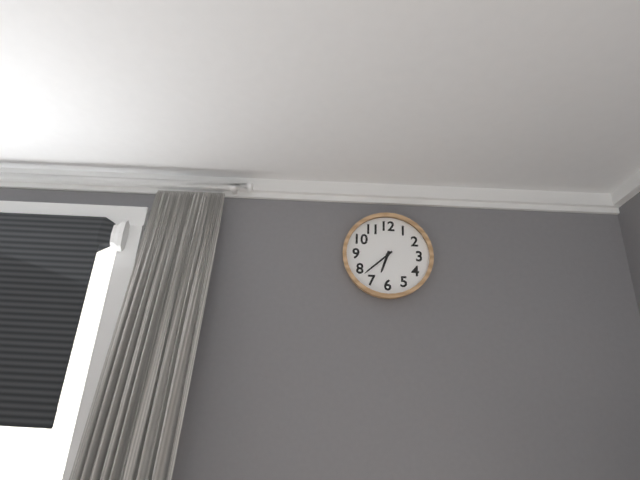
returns 6,38
